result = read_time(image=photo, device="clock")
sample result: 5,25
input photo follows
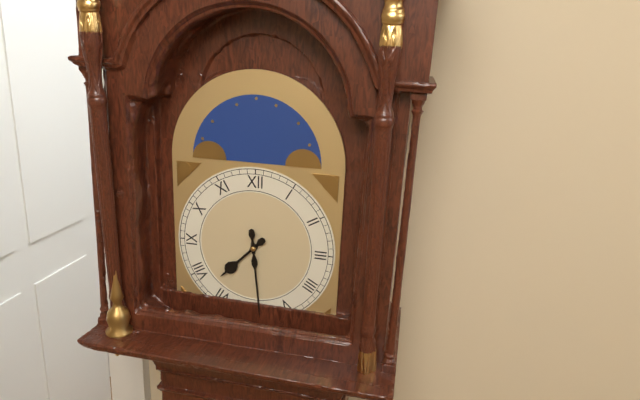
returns 7,29
